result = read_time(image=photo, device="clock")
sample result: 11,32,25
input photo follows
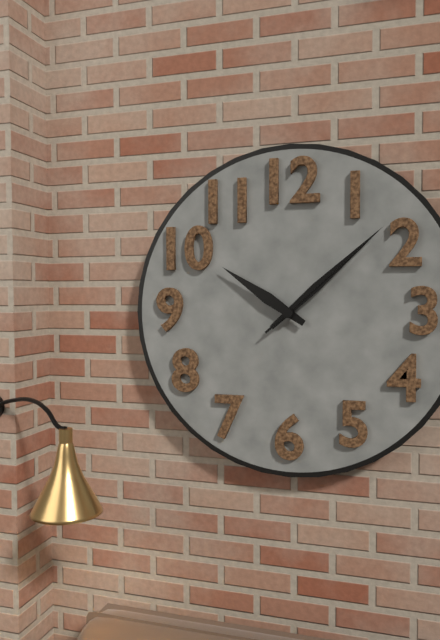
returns 10,08,08
